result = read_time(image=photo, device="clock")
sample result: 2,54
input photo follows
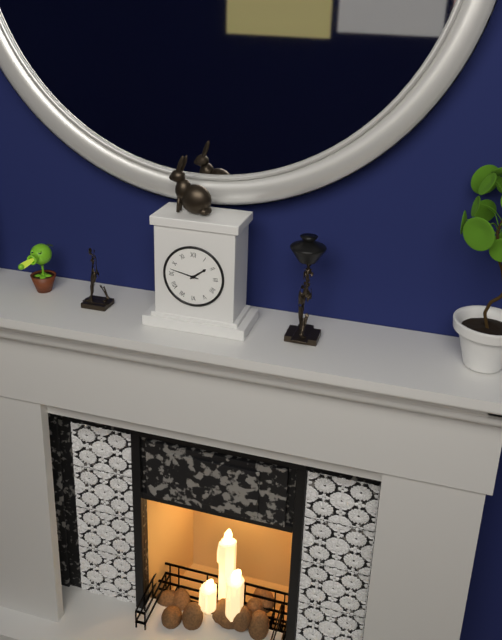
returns 1,47
